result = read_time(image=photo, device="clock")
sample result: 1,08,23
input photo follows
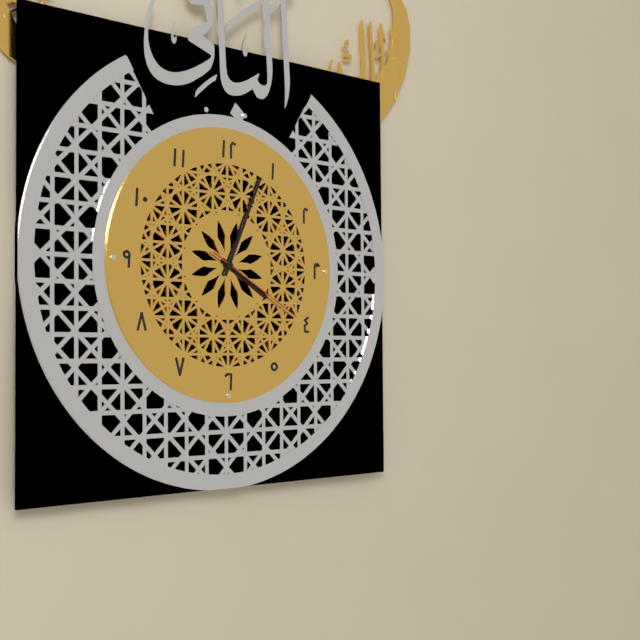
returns 4,04,20
